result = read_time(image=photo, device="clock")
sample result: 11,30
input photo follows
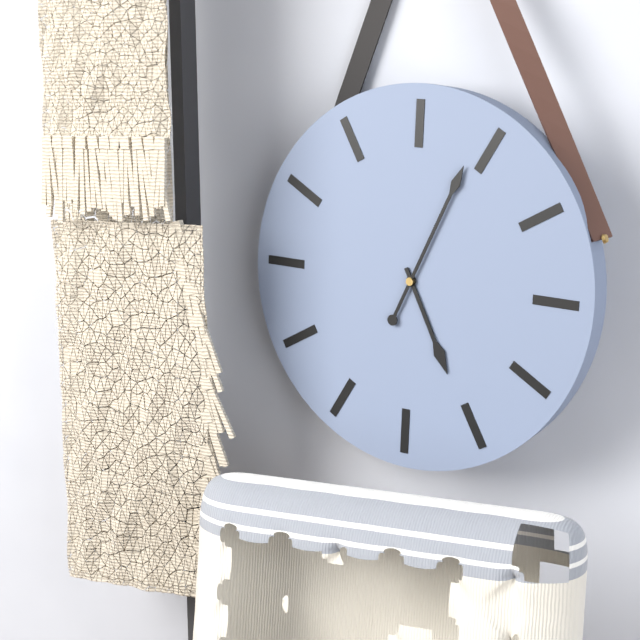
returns 5,04
